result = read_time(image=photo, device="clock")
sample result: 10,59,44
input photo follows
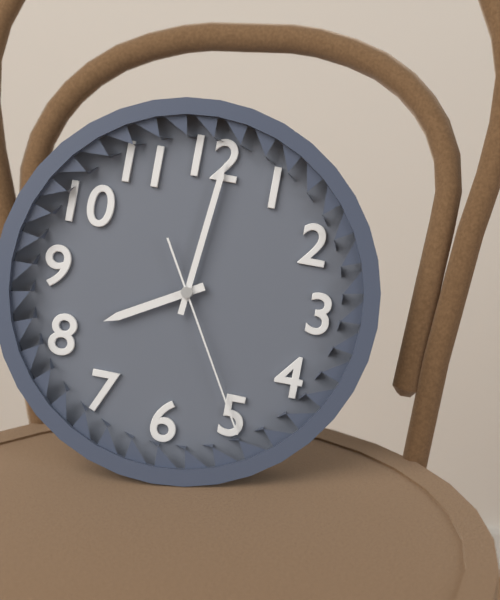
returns 8,01,25
